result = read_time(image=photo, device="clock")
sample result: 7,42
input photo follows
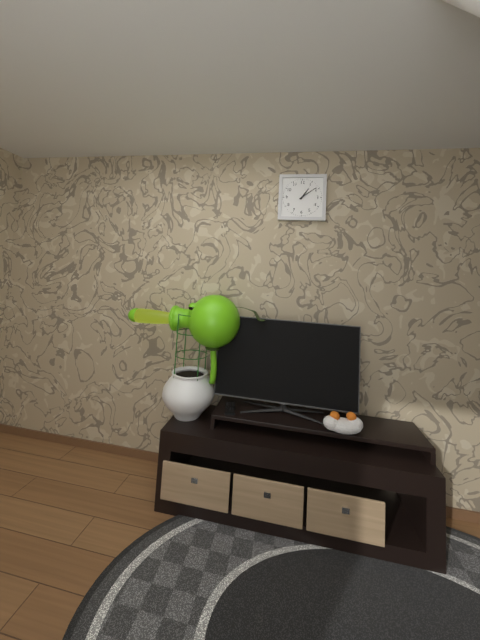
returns 1,09
